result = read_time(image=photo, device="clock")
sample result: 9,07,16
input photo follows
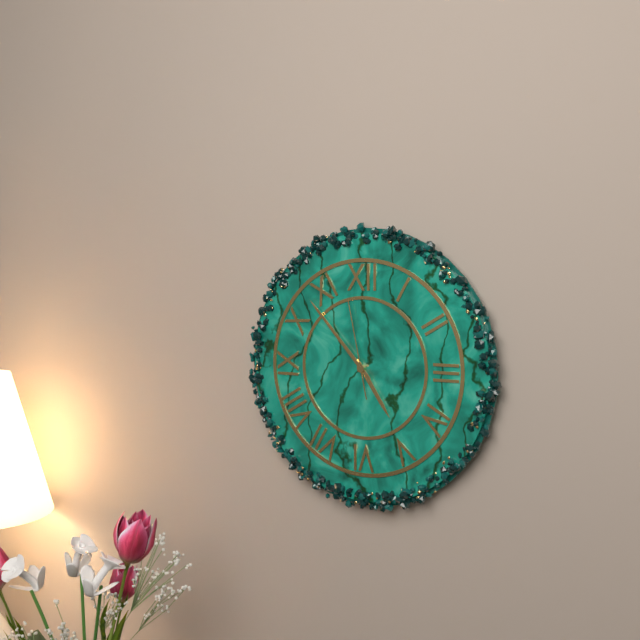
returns 4,53,58
